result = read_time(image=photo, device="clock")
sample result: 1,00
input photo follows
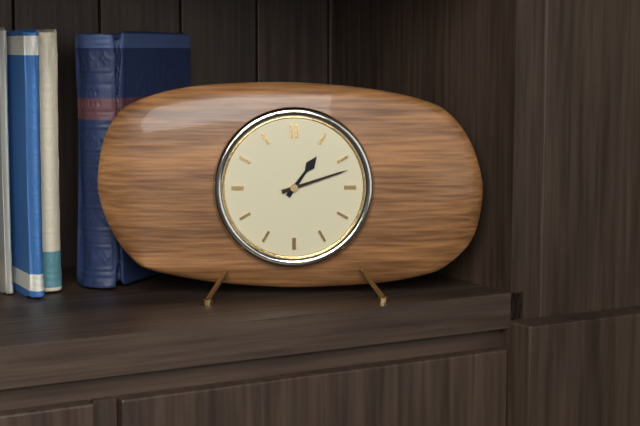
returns 1,12
